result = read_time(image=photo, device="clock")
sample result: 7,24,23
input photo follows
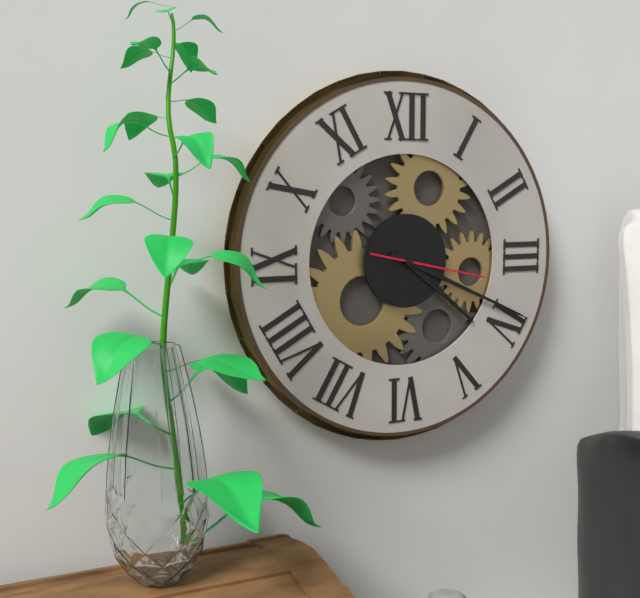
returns 4,19,17
